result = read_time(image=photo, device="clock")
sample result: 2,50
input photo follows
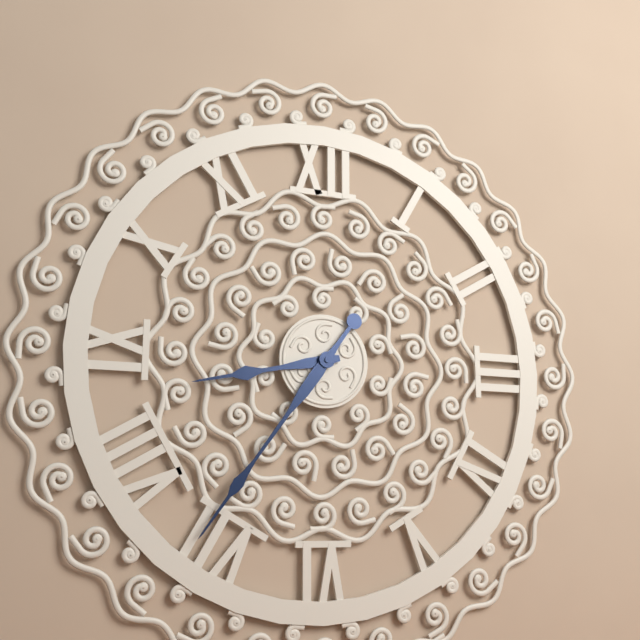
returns 8,36
